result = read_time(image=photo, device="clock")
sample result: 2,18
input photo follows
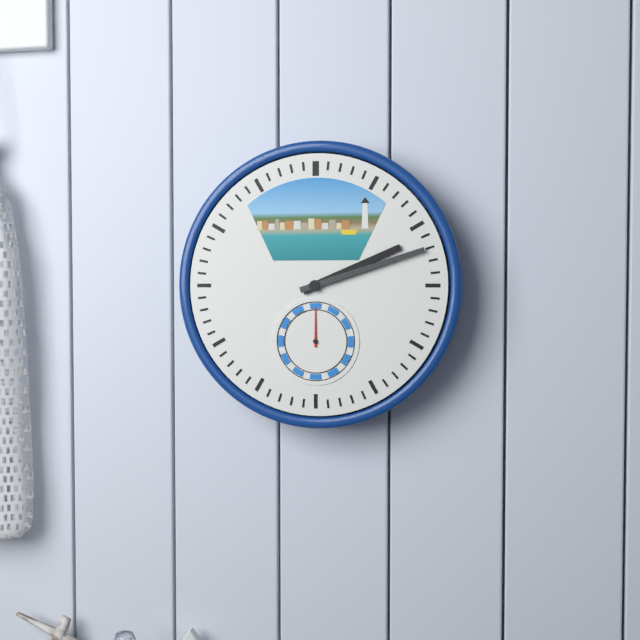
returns 2,12
